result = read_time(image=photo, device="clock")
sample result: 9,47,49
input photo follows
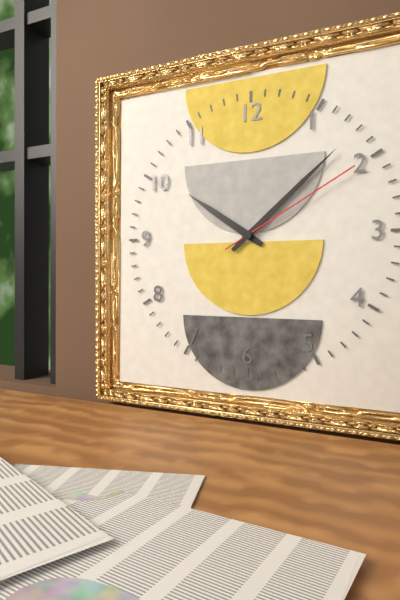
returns 10,08,10
